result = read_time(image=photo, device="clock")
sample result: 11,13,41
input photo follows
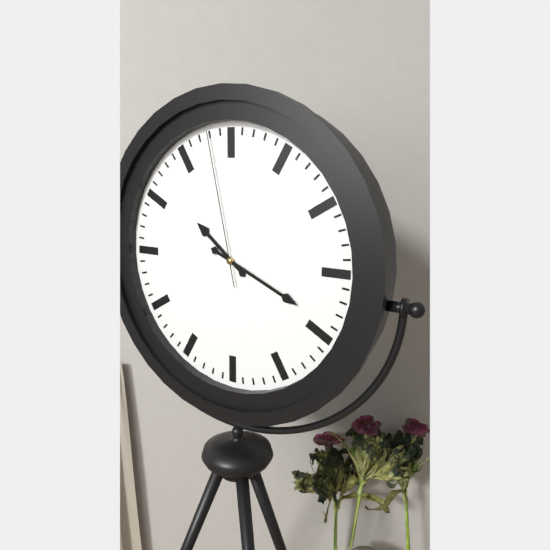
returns 10,19,58
